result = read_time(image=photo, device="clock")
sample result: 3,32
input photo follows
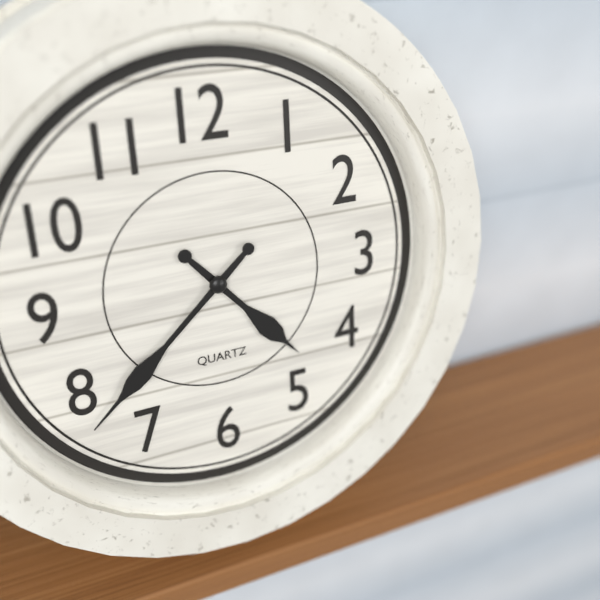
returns 4,38
